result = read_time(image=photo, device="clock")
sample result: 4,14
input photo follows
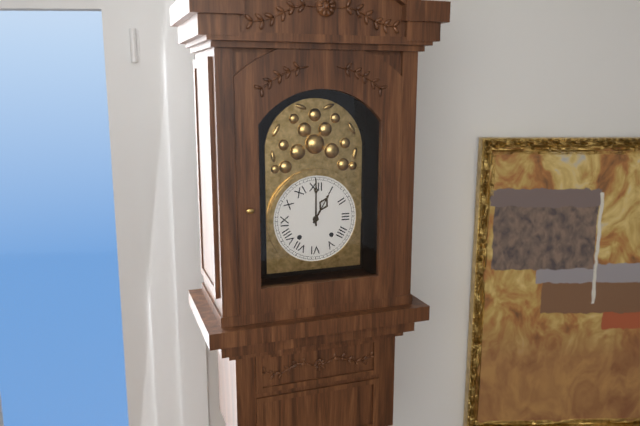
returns 1,00
